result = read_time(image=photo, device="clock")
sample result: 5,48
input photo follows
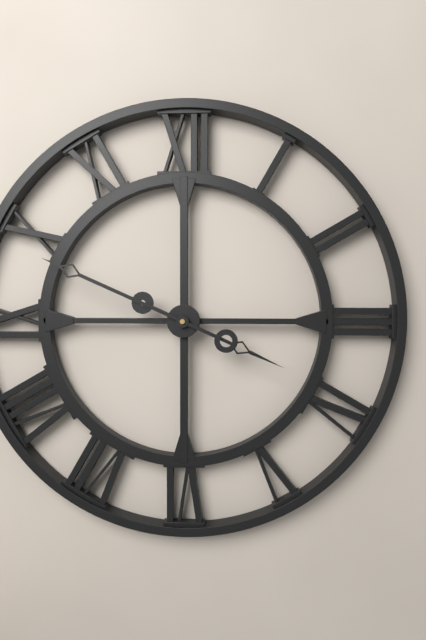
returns 3,49
